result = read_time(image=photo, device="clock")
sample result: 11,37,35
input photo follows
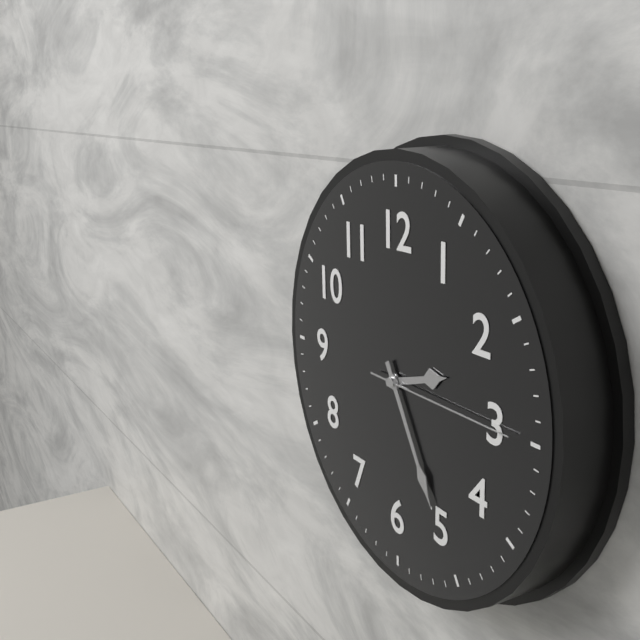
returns 2,25,15
